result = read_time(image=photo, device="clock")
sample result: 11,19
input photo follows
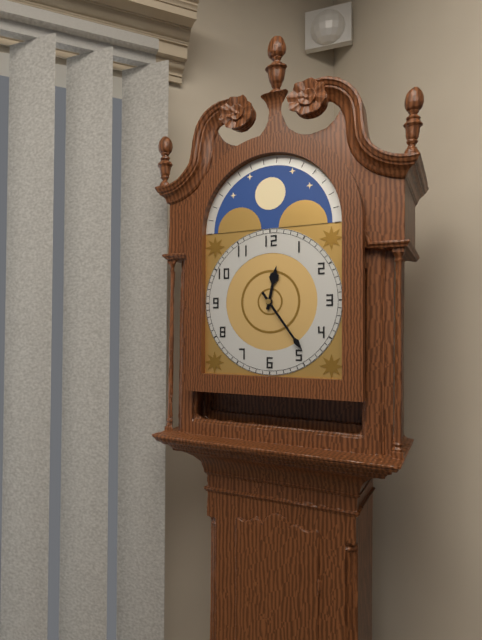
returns 12,24
